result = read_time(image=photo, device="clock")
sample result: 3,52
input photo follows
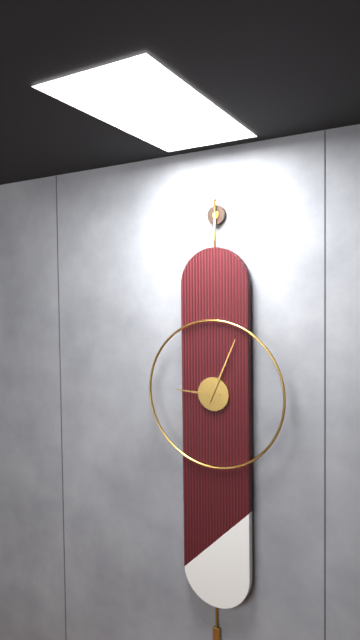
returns 9,04
